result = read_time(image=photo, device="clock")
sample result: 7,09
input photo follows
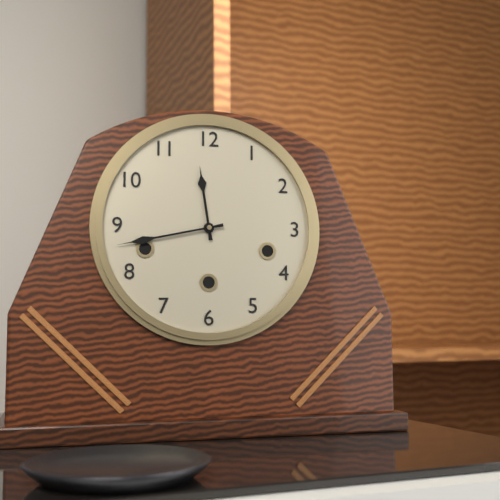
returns 11,43
